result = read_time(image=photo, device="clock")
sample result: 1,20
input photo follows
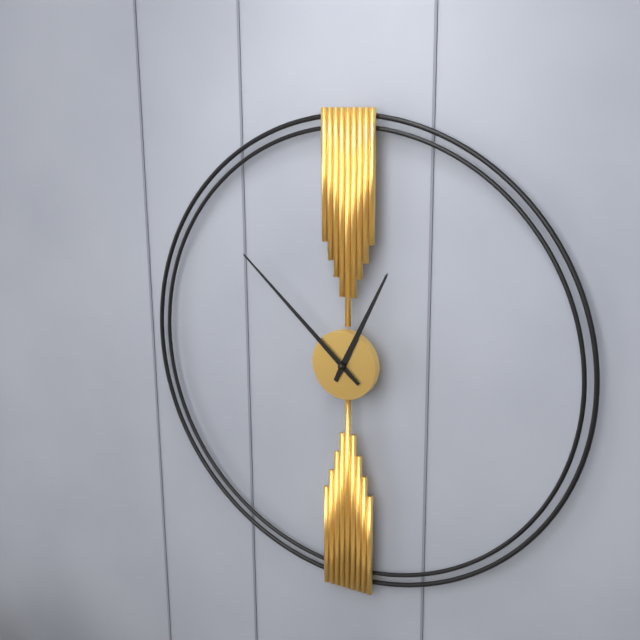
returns 12,52
